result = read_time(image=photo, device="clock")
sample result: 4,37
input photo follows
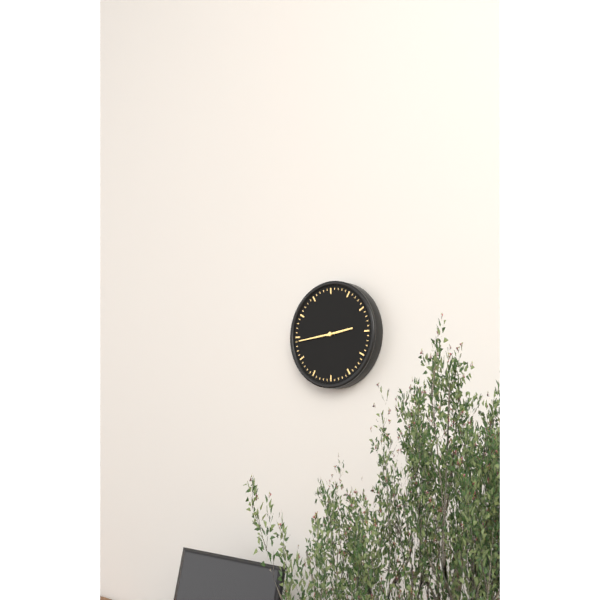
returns 2,44
